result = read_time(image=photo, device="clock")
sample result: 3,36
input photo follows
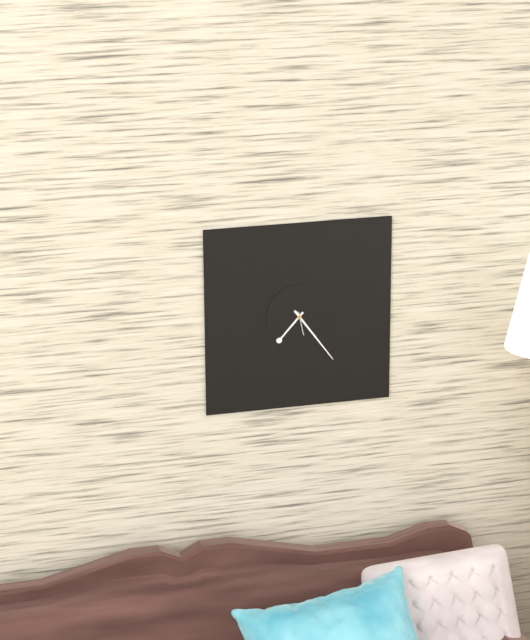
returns 7,24
